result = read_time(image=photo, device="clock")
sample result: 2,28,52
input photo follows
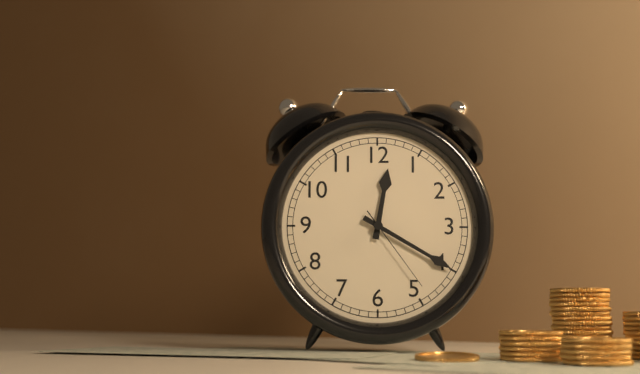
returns 12,20,24
